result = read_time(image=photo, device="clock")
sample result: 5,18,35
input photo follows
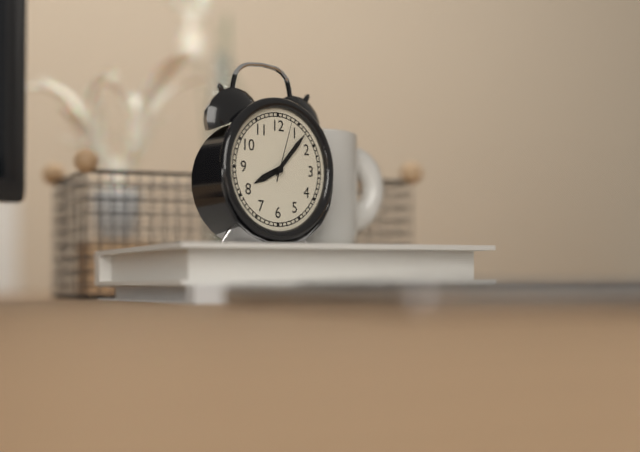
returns 8,07,03
